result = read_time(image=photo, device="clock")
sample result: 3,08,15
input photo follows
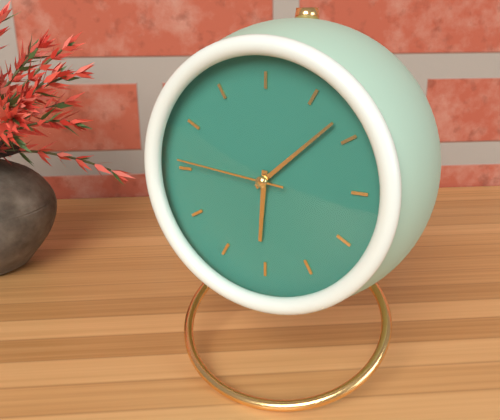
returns 6,08,46
